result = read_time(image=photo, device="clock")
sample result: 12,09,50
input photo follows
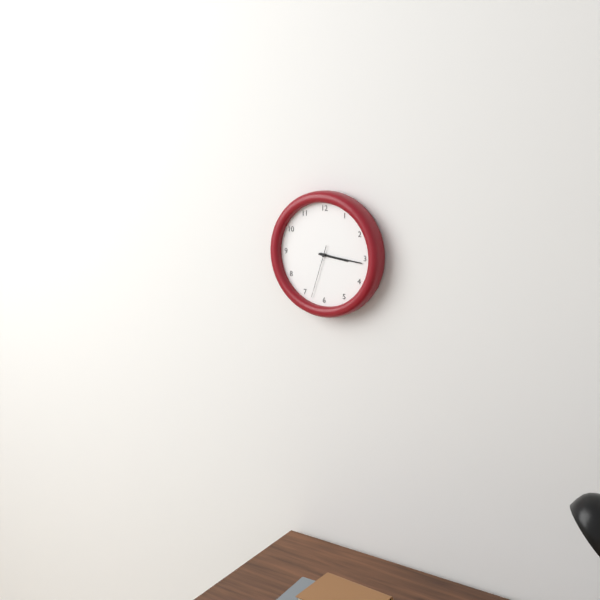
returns 3,16,33
